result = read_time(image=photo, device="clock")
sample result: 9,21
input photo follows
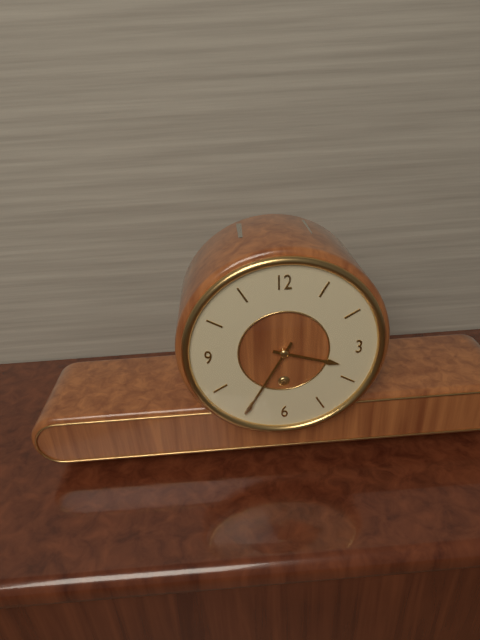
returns 3,35
